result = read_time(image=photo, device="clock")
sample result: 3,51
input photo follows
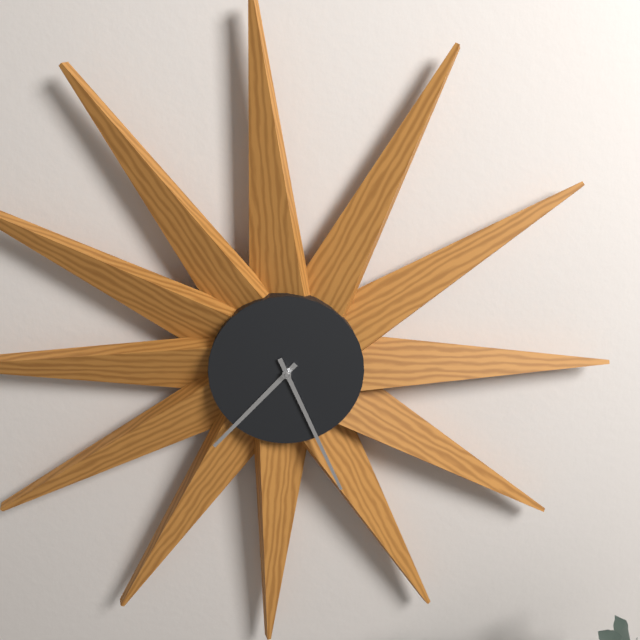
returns 7,26
